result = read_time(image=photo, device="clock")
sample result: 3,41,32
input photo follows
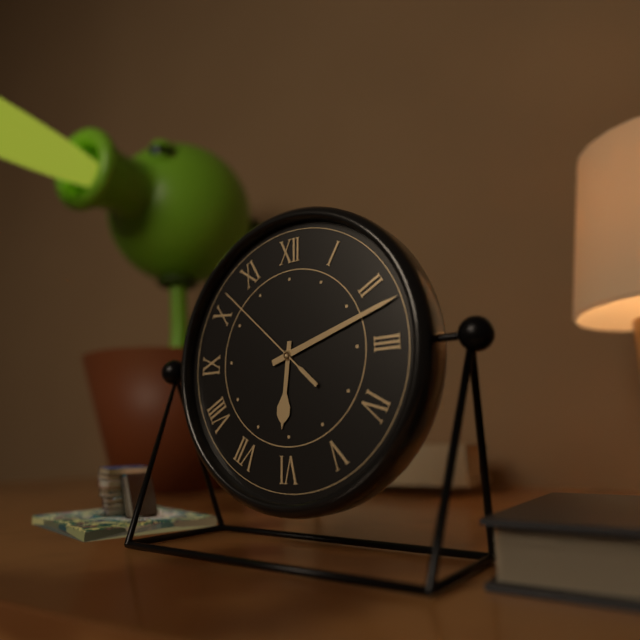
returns 6,12,52
